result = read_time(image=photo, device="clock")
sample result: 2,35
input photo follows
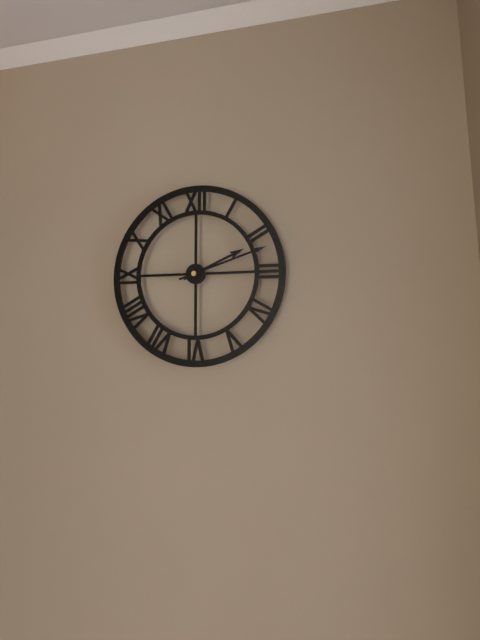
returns 2,12
